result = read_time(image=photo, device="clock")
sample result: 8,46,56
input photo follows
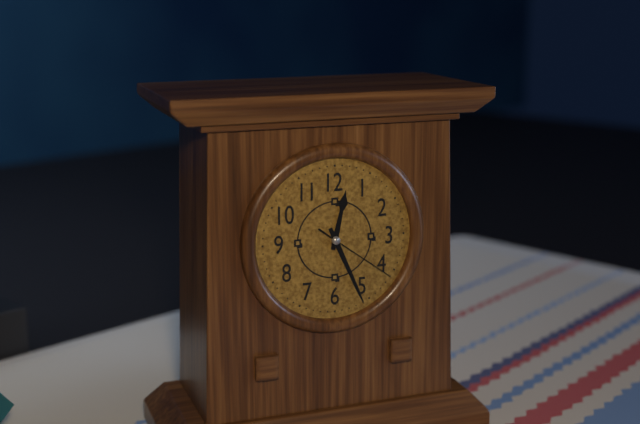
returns 12,26,21
